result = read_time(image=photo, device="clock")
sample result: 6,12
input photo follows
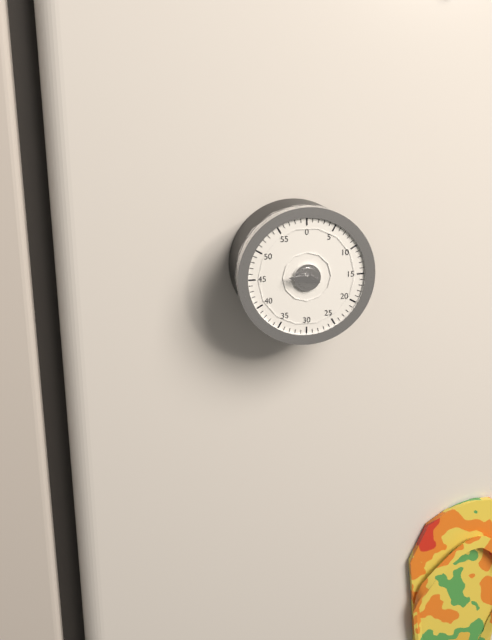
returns 3,46
